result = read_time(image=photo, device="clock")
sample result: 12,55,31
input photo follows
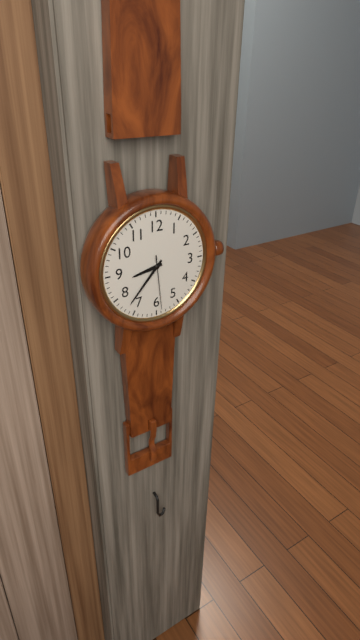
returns 8,37,29
